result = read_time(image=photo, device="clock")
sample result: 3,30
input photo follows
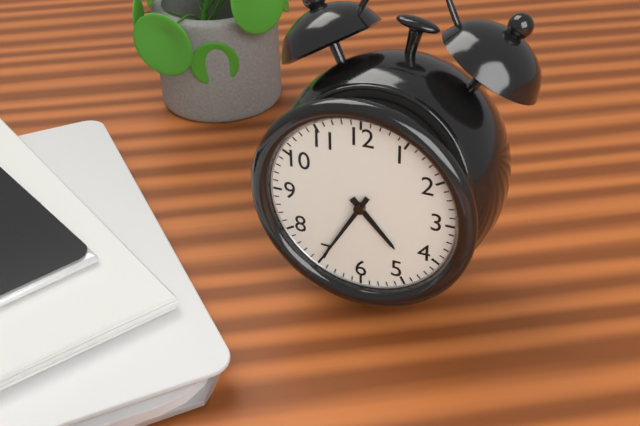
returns 4,35
